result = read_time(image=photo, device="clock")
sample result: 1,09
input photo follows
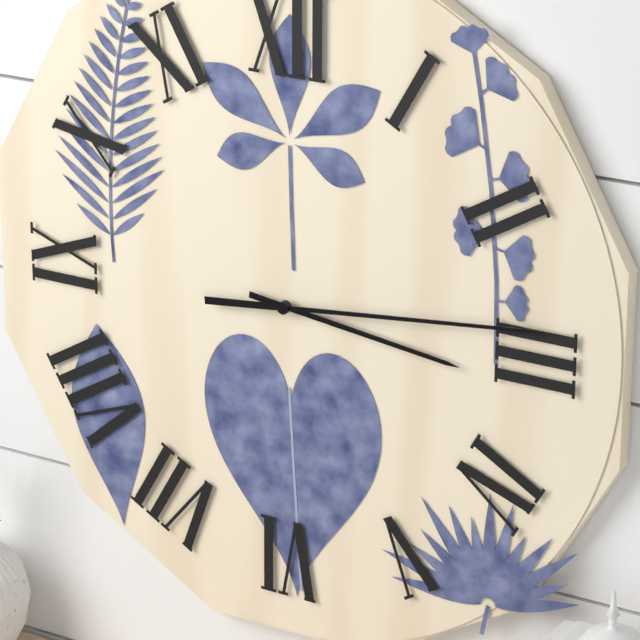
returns 3,14
